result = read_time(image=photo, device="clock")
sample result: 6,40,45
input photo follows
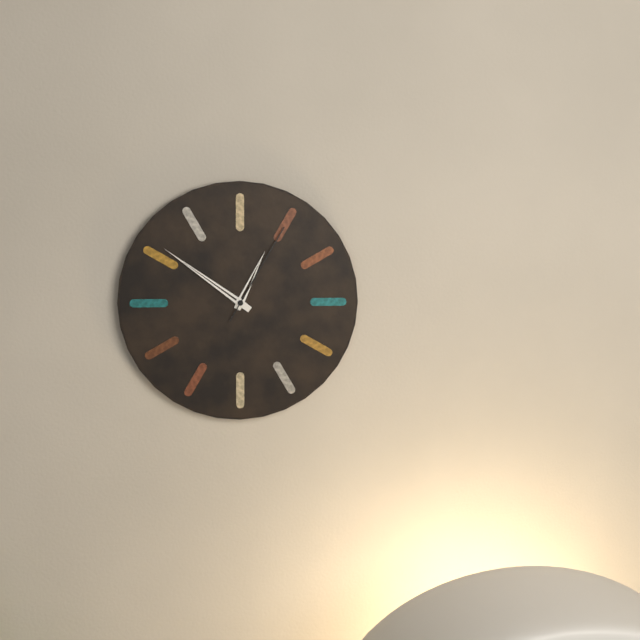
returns 12,51,05
